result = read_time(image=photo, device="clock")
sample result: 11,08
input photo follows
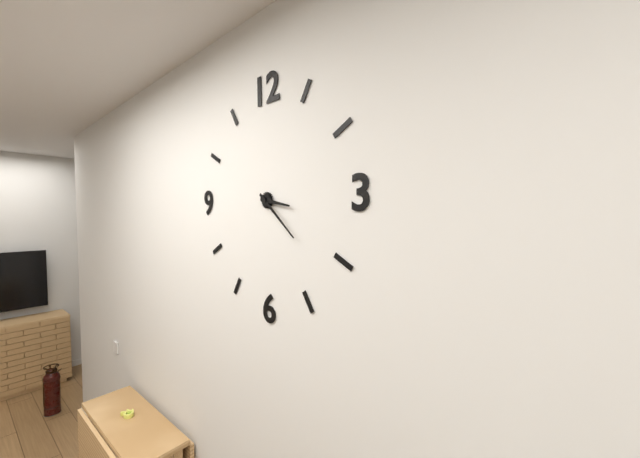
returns 3,22
